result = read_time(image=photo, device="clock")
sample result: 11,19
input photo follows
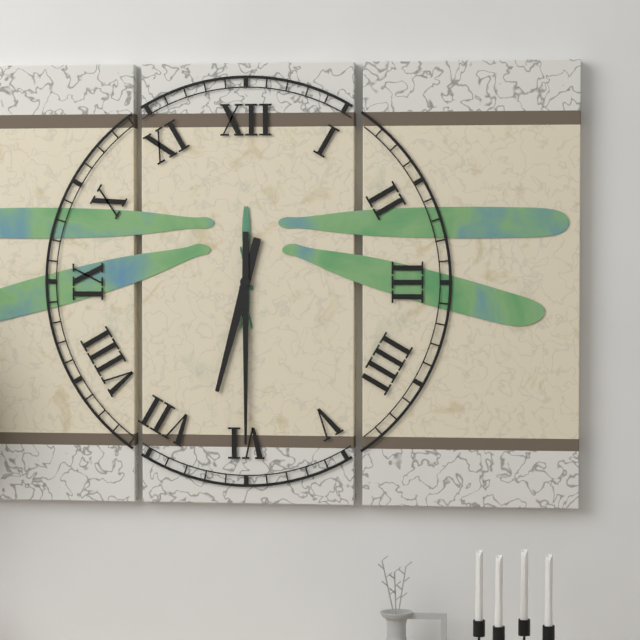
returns 6,30
